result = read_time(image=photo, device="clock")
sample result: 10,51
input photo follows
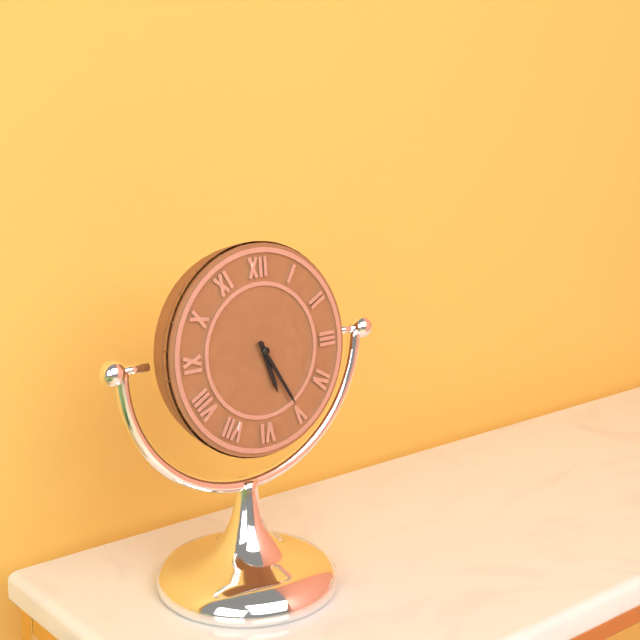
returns 5,25
